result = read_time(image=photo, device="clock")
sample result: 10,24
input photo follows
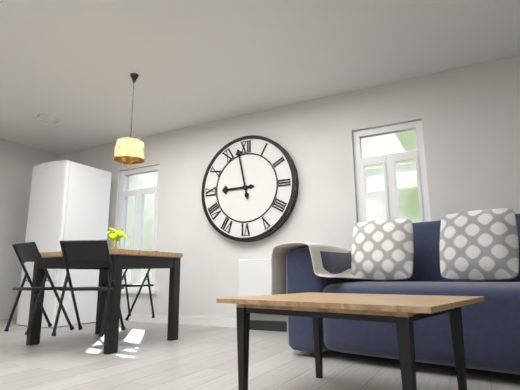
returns 8,58
